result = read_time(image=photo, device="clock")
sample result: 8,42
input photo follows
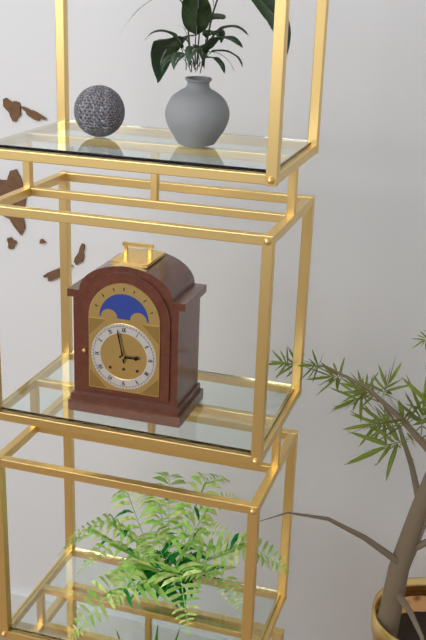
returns 2,58
